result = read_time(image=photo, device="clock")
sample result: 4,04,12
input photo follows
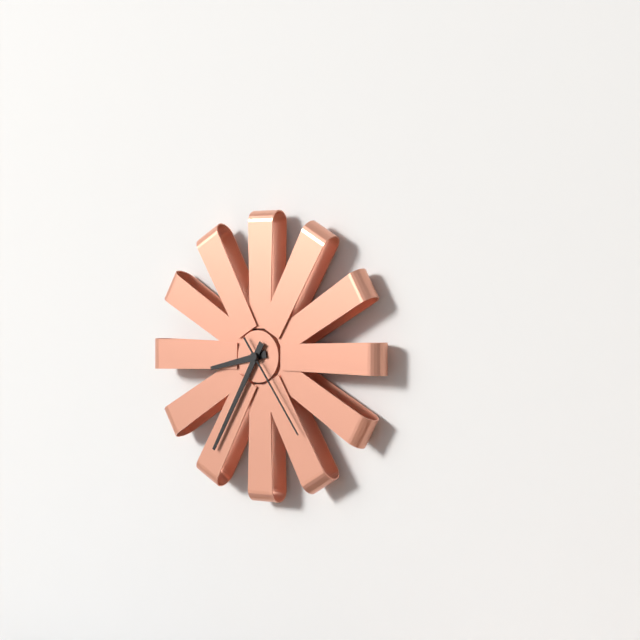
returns 8,35,24
